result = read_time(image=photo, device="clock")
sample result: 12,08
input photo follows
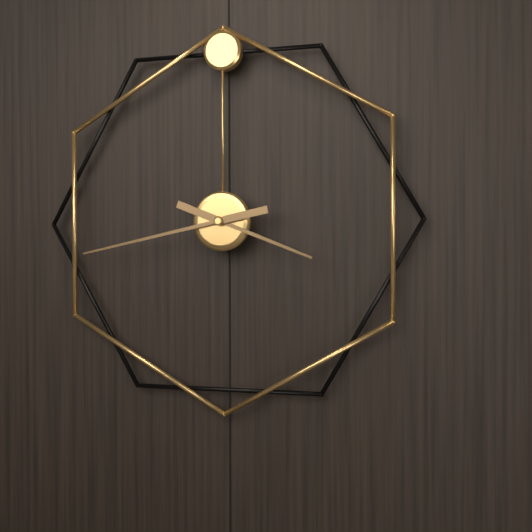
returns 3,43
